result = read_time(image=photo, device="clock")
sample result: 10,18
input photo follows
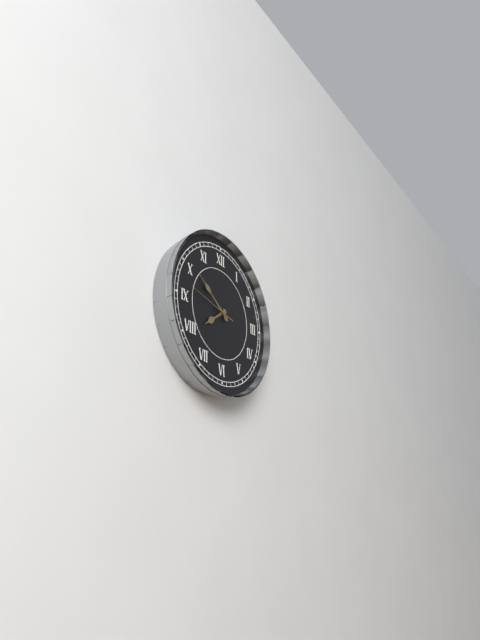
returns 7,51
